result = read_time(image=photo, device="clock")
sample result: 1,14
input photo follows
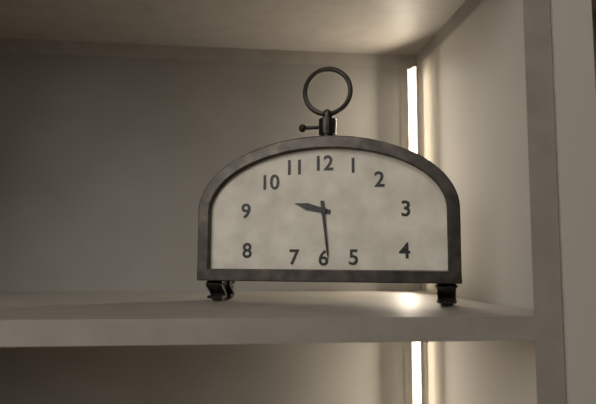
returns 9,29
